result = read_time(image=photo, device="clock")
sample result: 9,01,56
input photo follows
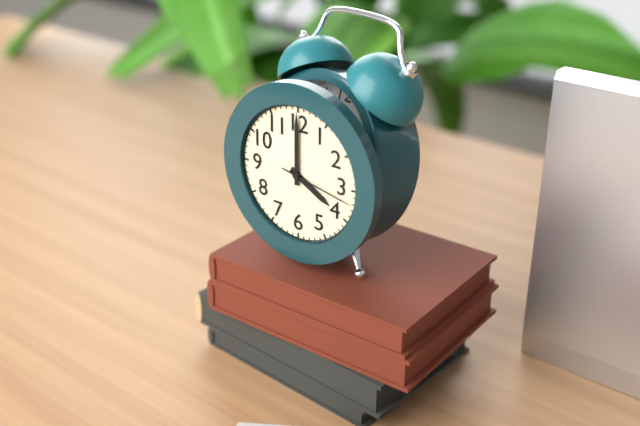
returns 4,00,17
